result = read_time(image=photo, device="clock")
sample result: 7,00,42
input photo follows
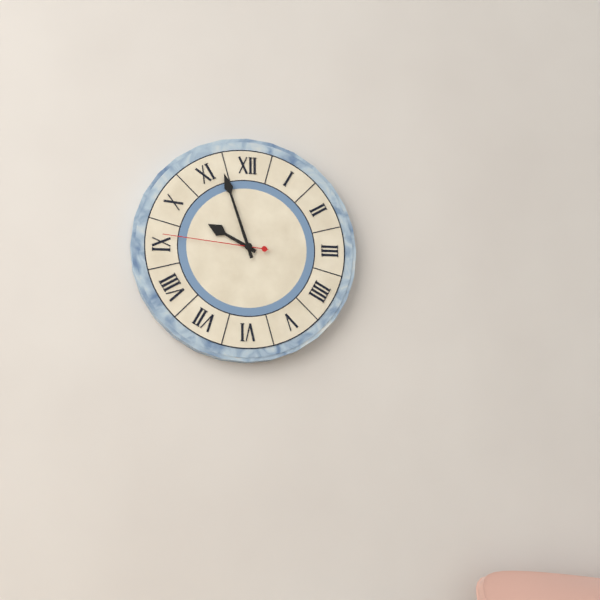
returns 9,57,46
